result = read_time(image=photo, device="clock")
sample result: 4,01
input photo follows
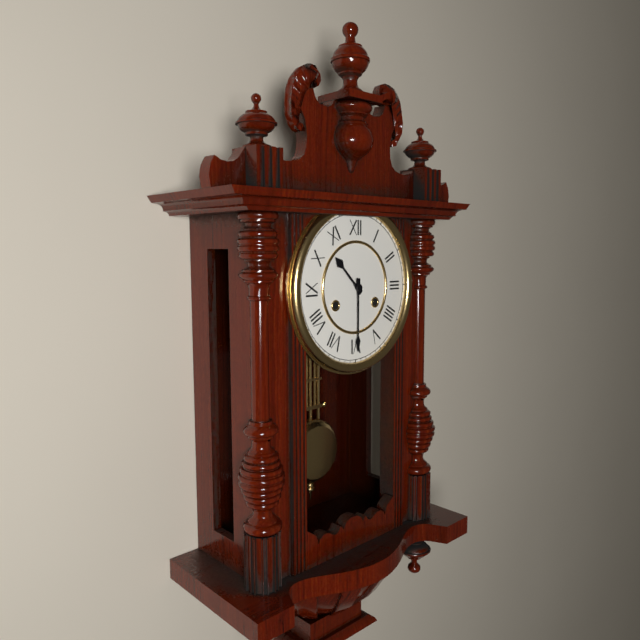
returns 10,30
